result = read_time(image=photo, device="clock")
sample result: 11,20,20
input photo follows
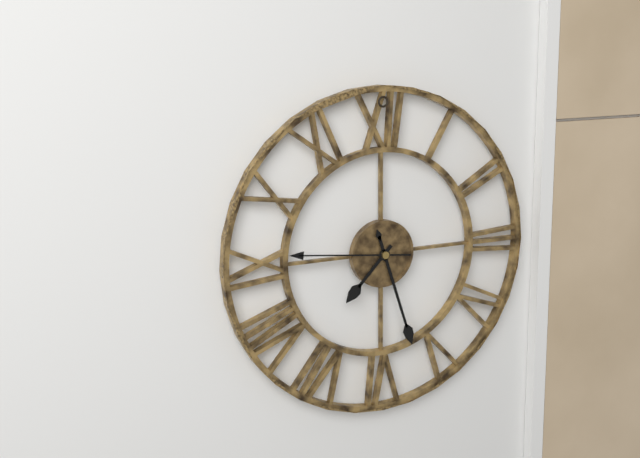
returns 7,27,46
